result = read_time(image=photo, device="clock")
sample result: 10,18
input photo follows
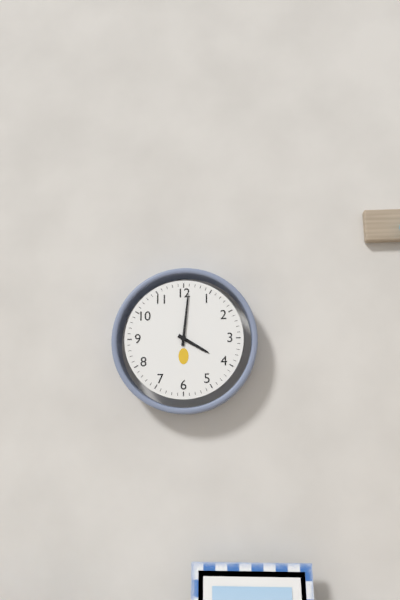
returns 4,01
